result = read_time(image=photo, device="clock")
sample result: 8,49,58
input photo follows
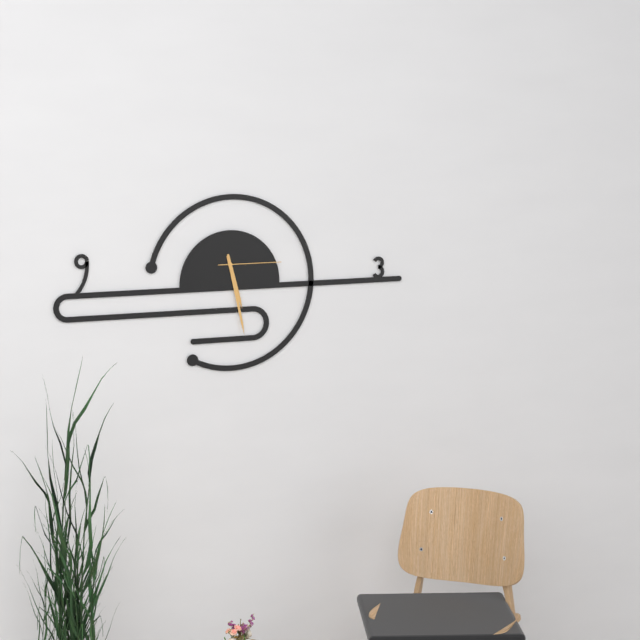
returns 5,28,15
